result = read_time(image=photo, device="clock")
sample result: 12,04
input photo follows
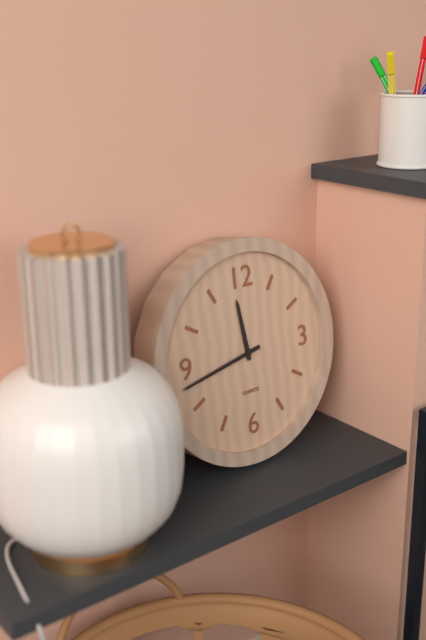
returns 11,43
